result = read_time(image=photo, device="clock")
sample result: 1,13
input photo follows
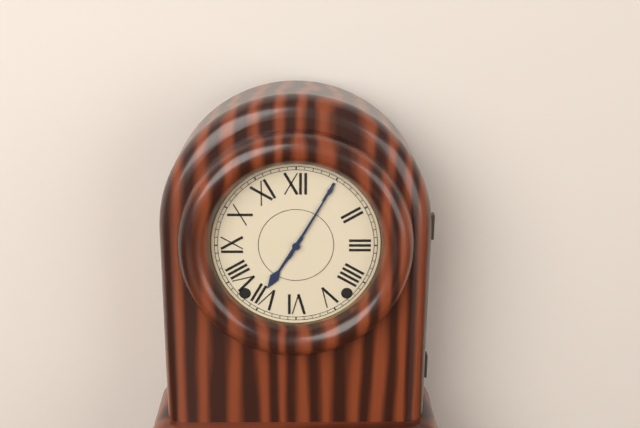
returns 7,05
